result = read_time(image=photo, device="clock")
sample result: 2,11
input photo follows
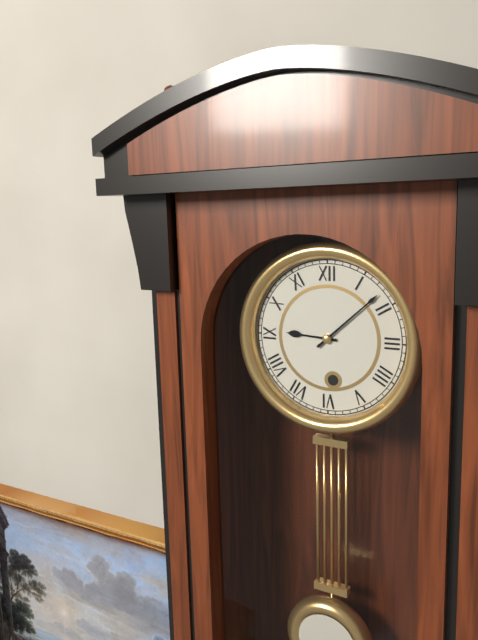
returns 9,08
